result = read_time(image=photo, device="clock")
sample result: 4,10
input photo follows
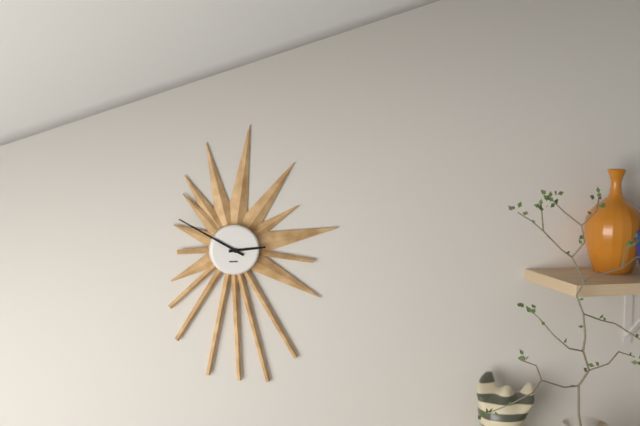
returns 2,50
